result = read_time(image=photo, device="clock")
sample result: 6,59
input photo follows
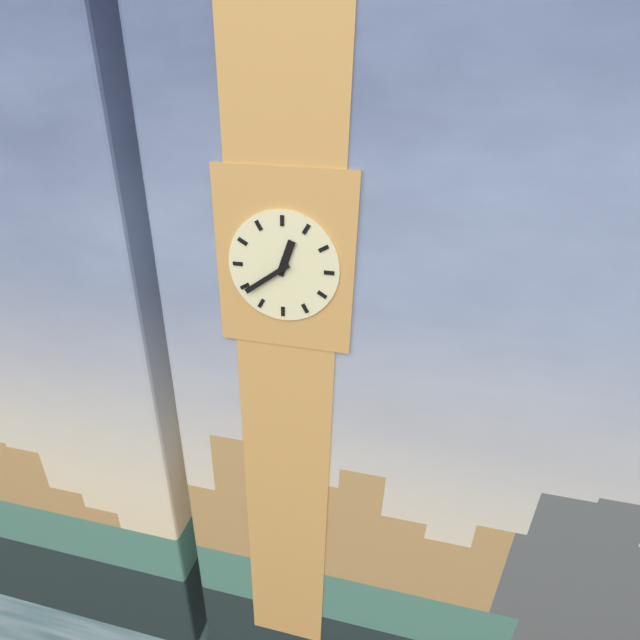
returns 12,39
